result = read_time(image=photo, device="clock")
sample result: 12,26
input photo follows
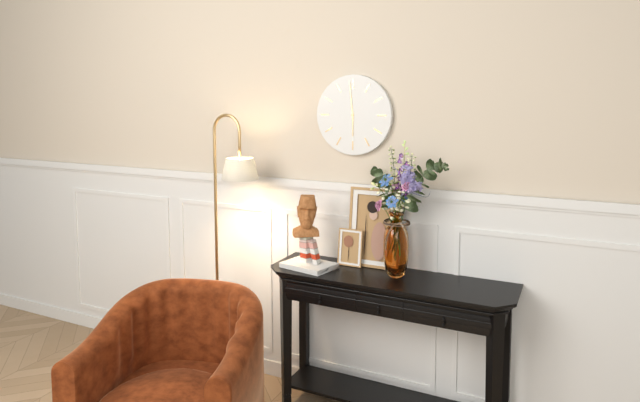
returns 5,59
